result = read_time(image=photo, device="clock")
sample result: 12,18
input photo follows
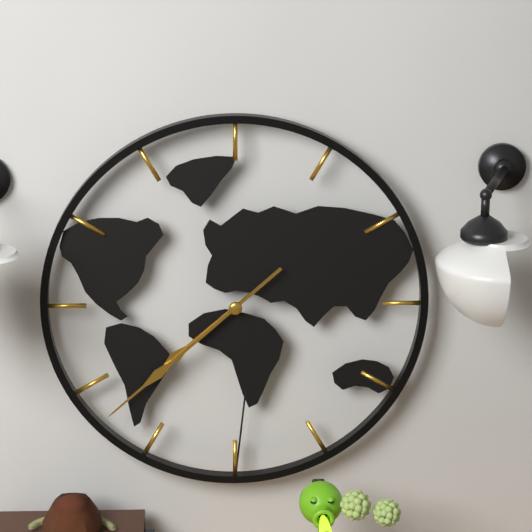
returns 7,38
